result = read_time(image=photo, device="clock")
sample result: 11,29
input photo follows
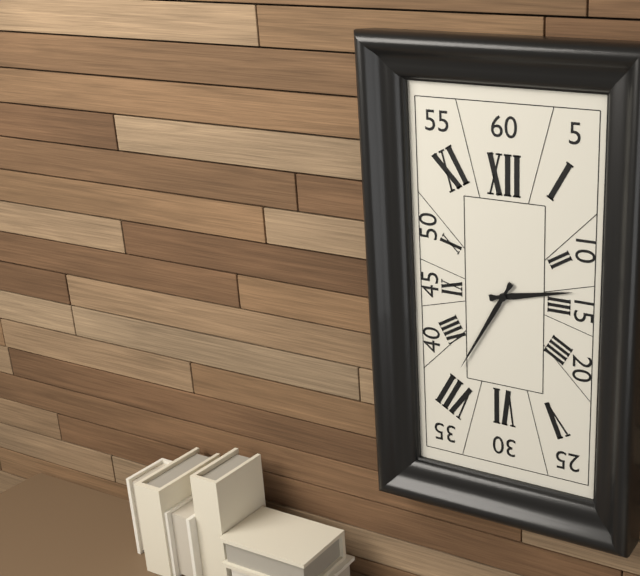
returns 2,35
